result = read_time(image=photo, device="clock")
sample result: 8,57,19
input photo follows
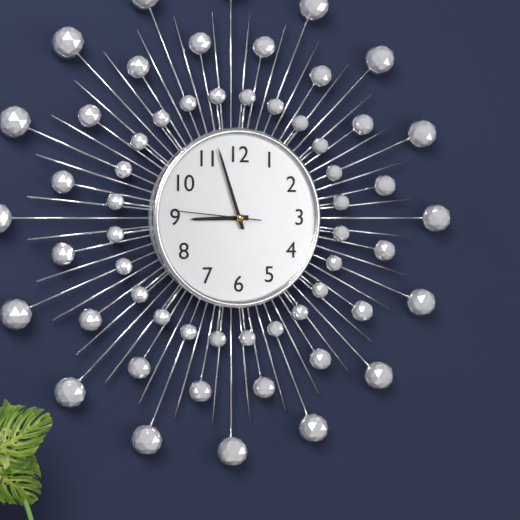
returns 8,57,46
